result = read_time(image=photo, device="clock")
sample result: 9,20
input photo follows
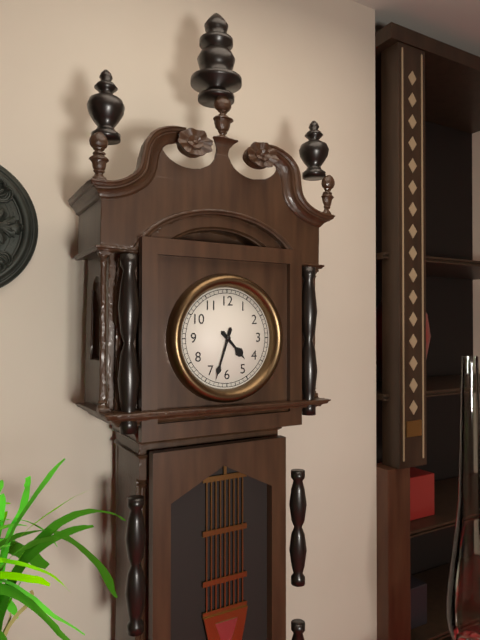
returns 4,33
